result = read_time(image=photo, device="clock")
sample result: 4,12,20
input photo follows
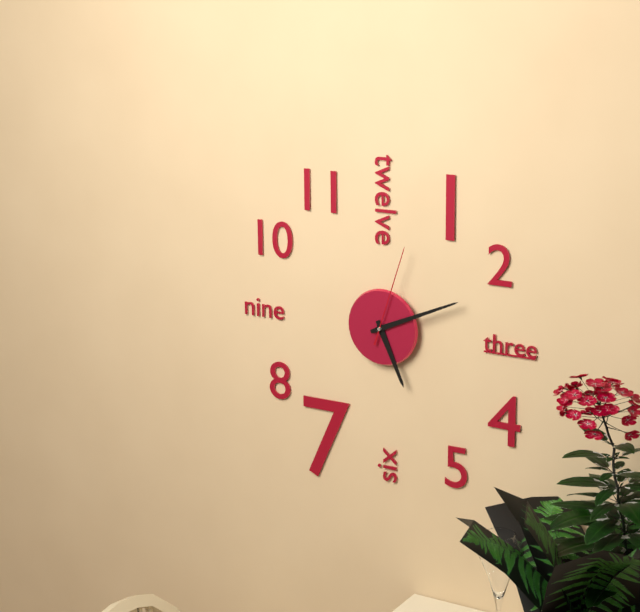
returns 5,11,03
